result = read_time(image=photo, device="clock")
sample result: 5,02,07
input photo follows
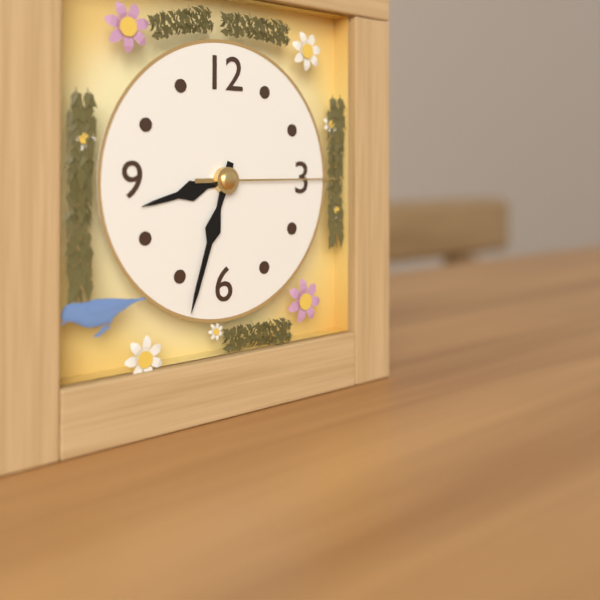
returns 8,33,15
